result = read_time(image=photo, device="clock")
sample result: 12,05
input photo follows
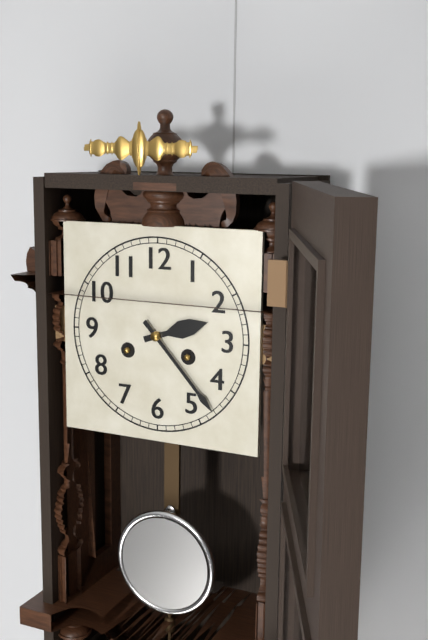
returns 2,23
